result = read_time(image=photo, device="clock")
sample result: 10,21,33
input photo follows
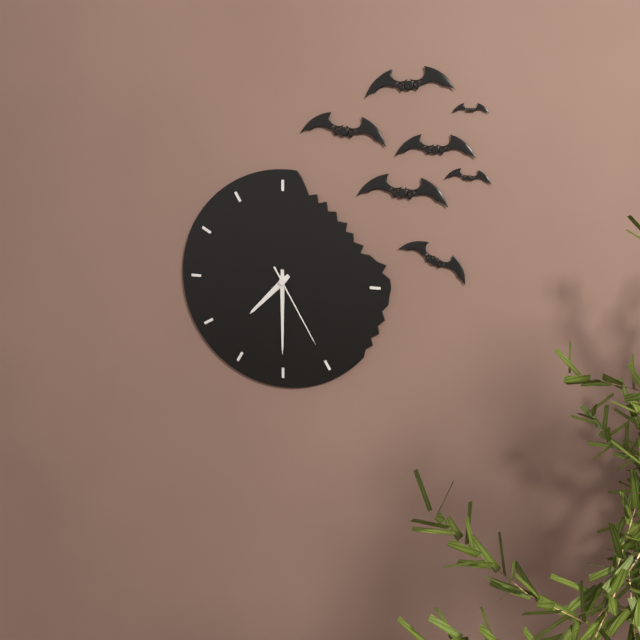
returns 7,30,25
